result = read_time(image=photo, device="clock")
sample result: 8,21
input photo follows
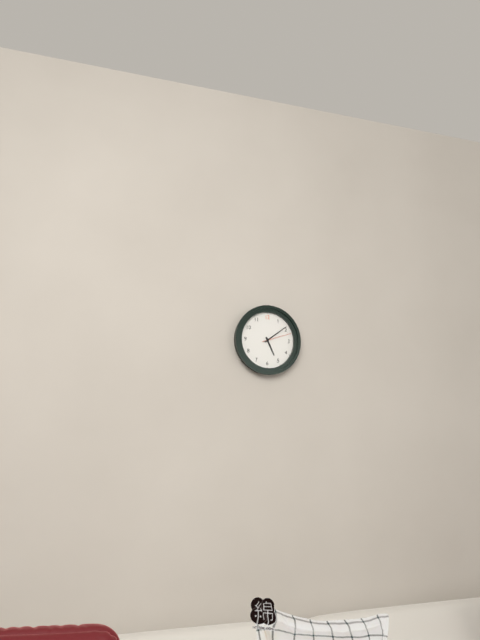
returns 5,09
